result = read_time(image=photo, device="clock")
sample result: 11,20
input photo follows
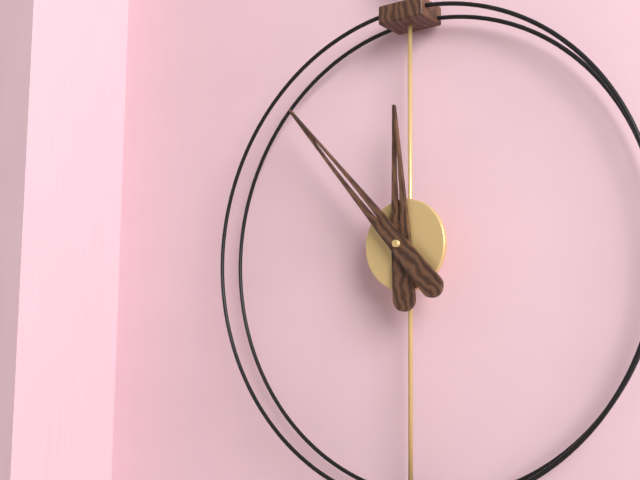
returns 11,53
